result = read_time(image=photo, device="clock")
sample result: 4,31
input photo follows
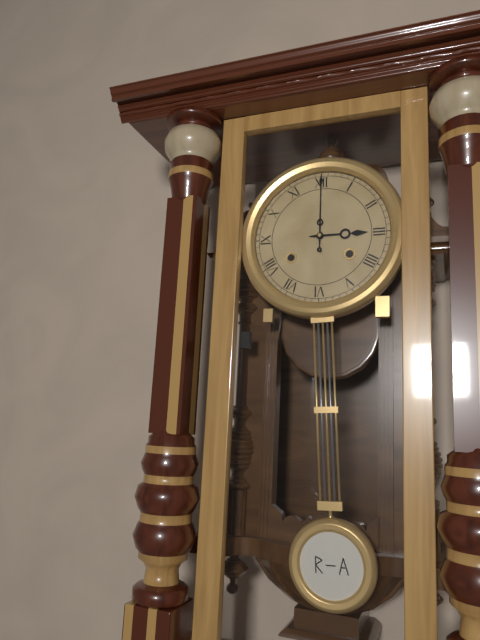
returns 3,00
